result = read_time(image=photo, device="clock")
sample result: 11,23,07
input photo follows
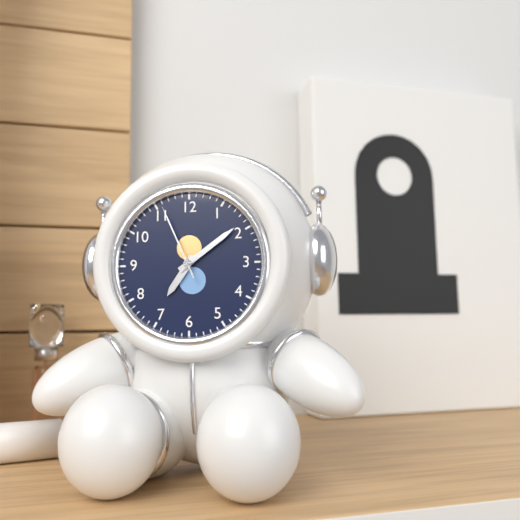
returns 7,09,56
